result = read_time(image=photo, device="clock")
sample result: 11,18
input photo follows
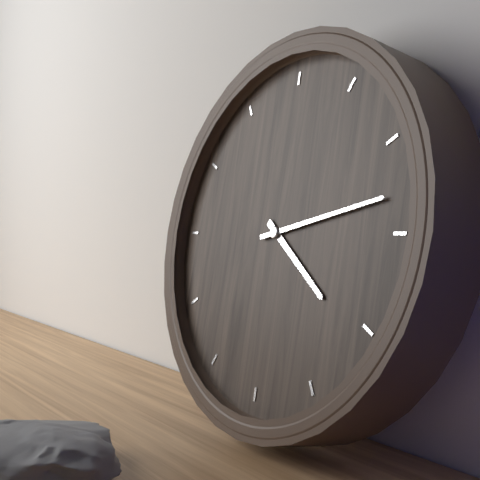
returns 4,13
